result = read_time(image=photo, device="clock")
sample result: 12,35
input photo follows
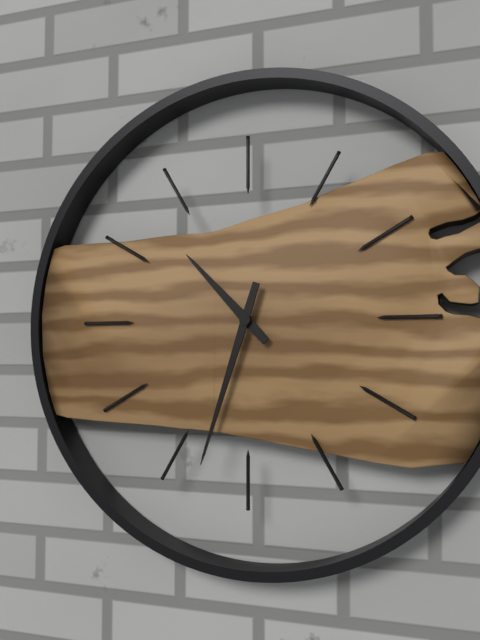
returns 10,33
